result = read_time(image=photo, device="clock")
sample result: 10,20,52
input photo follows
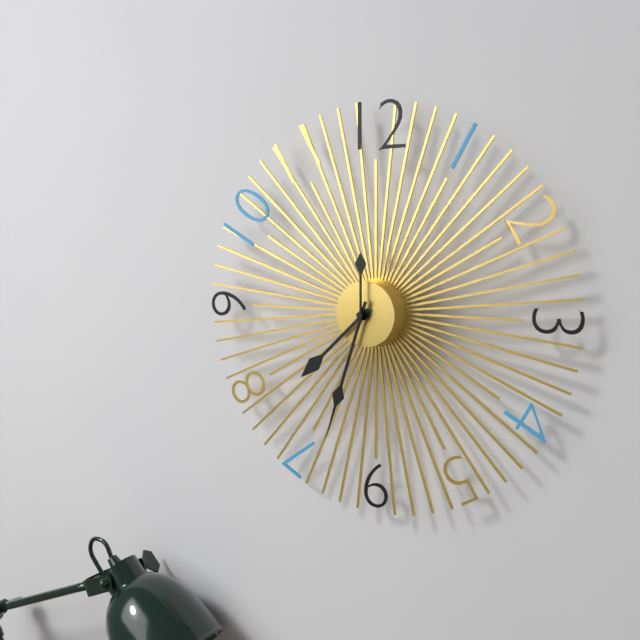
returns 7,33,00
